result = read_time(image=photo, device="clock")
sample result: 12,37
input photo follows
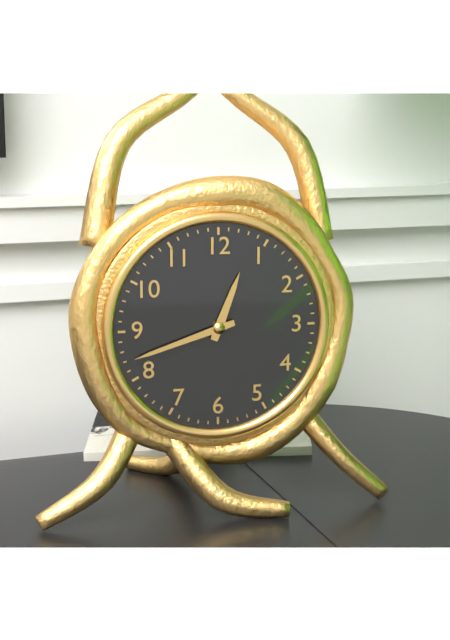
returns 12,42
